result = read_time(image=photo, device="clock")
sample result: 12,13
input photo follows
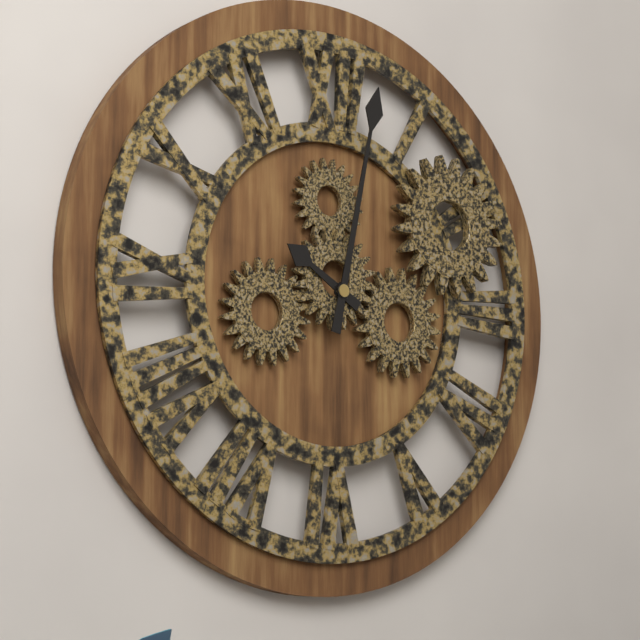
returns 10,02
